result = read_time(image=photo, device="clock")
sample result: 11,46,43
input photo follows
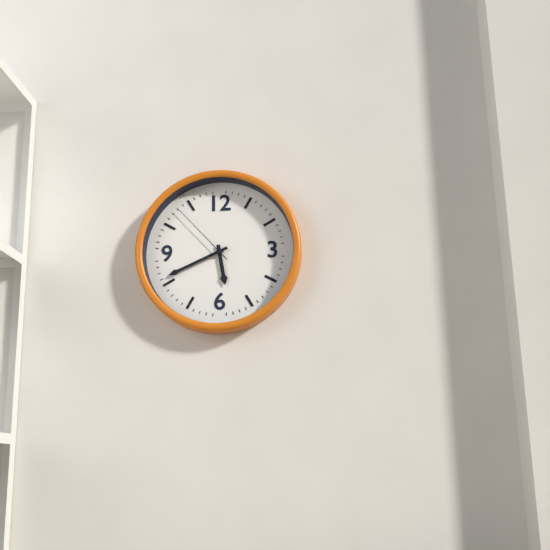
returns 5,41,53
